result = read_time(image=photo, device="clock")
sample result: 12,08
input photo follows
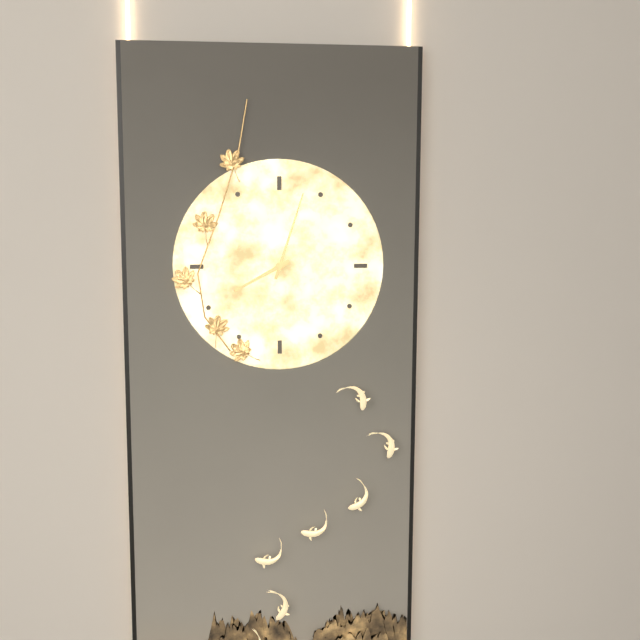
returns 8,03
